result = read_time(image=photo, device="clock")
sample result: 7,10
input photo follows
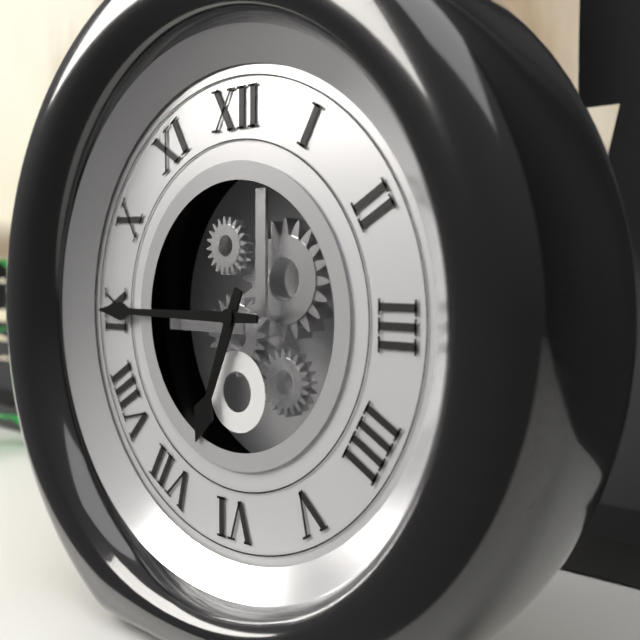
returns 6,45
